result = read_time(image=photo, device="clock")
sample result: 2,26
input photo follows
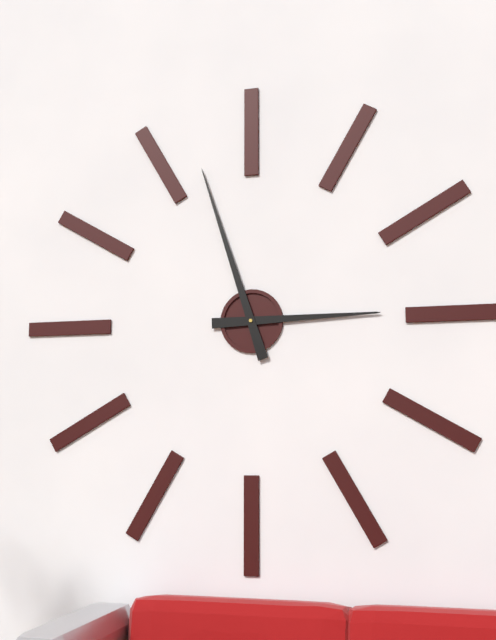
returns 2,57
